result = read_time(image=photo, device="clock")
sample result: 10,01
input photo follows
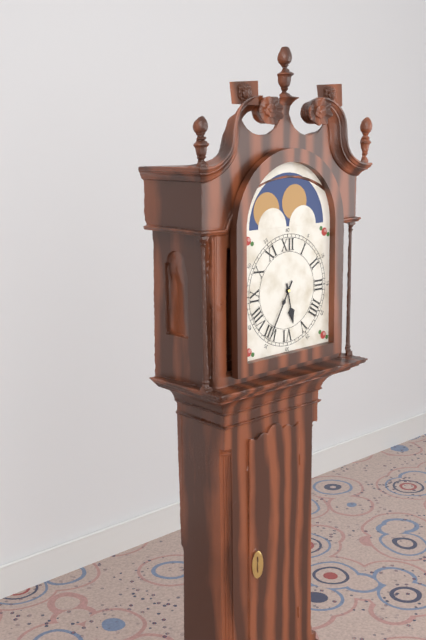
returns 5,35
